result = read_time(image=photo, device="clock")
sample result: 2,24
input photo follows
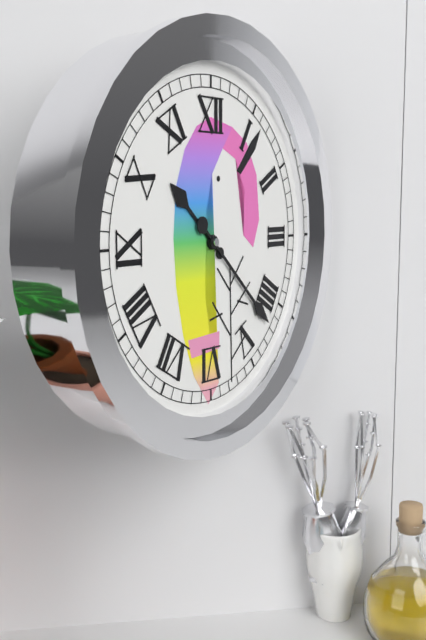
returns 10,22
